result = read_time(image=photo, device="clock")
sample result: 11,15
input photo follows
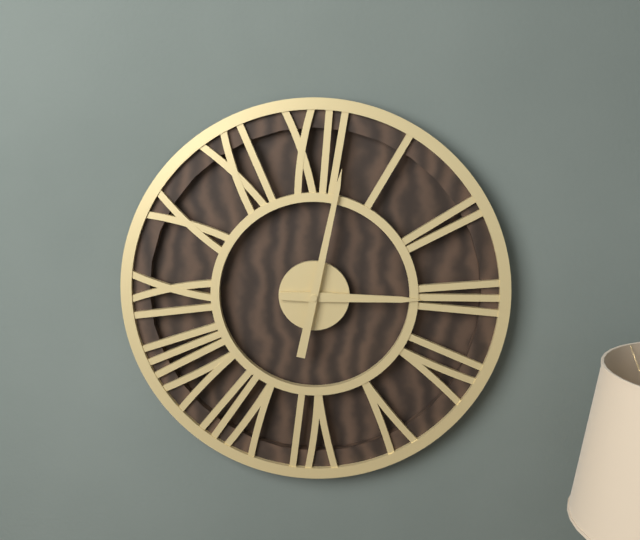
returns 3,02
